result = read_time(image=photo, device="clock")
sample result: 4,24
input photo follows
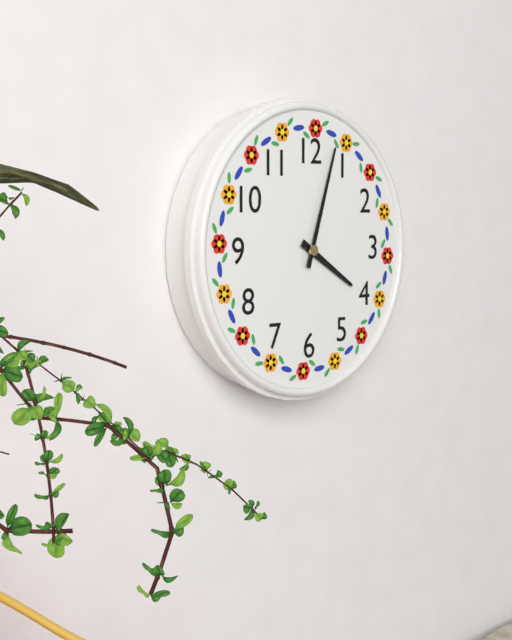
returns 4,03
